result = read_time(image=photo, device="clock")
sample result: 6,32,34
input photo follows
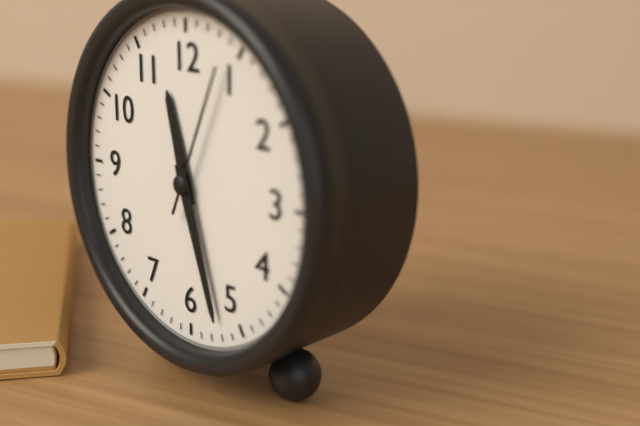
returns 11,27,04
